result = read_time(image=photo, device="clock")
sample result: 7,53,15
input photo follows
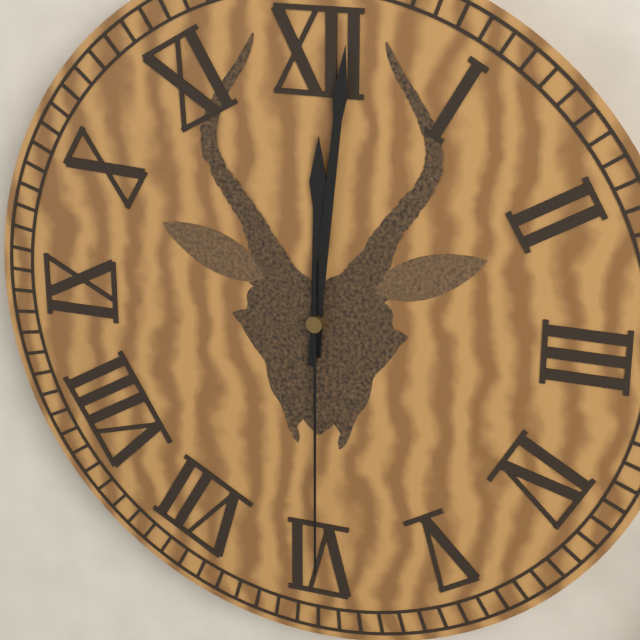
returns 12,01,30
